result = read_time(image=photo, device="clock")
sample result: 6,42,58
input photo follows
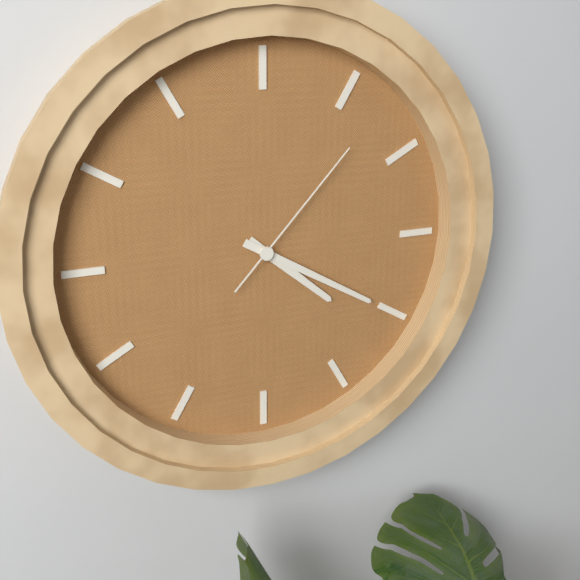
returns 4,20,07
